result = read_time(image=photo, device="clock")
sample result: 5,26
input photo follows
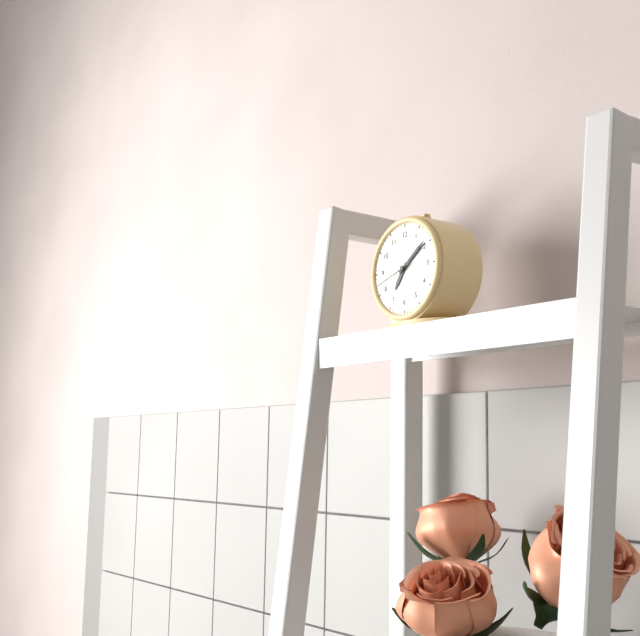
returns 7,09
